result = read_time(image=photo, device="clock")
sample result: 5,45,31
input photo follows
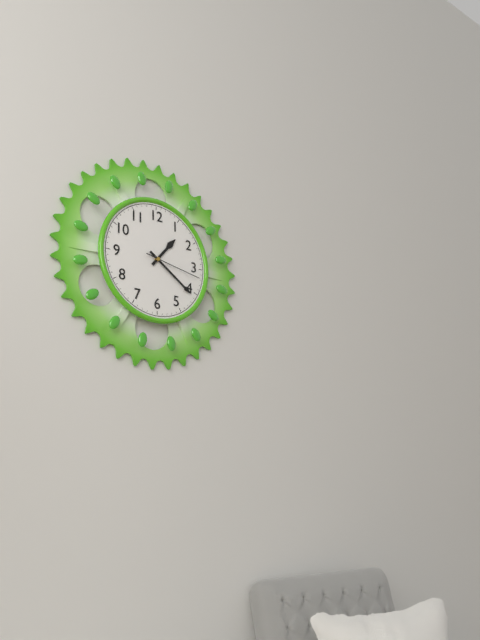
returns 1,21,17
